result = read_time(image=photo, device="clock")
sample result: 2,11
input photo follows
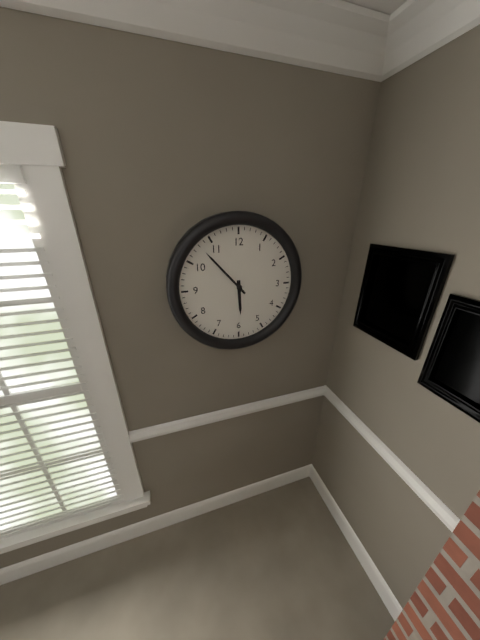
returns 5,53
